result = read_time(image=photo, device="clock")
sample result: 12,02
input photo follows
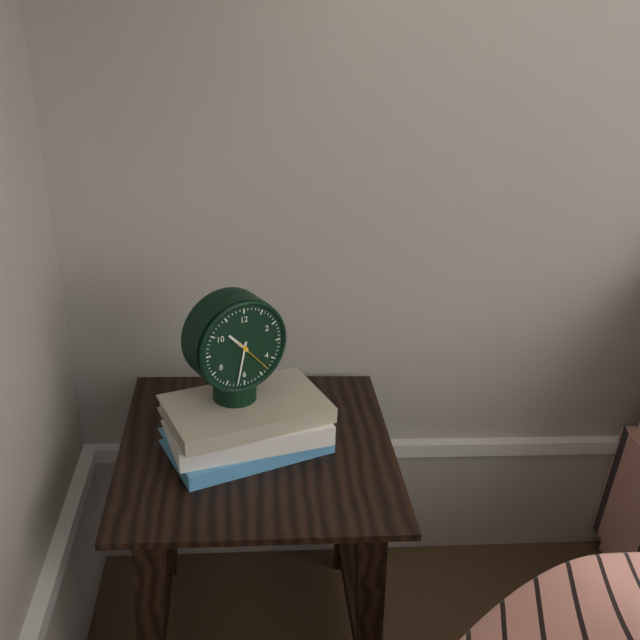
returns 10,32
